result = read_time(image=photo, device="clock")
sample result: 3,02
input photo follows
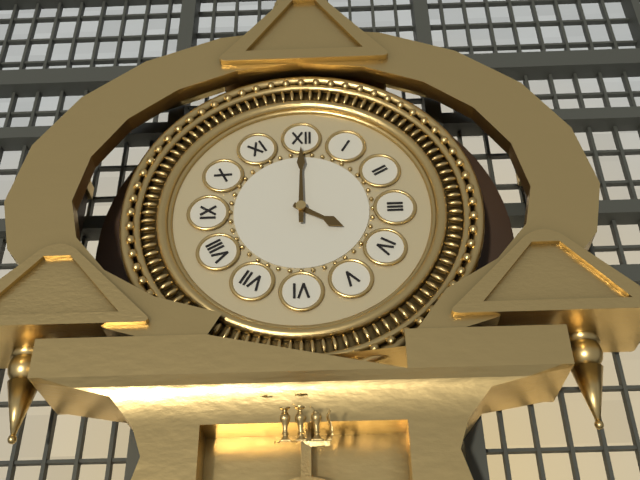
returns 4,00
